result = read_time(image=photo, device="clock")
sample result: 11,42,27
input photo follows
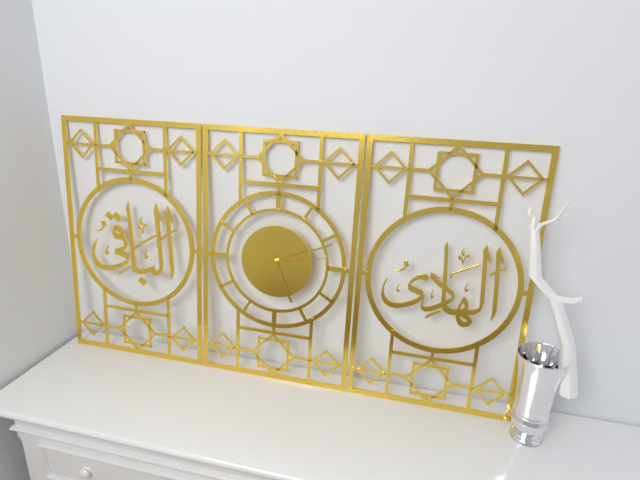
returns 5,11,13
